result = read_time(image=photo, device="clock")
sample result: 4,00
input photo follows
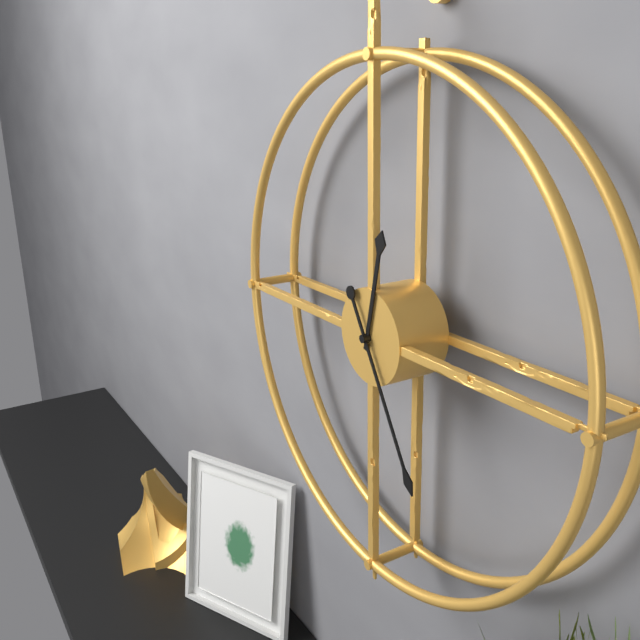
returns 12,25
